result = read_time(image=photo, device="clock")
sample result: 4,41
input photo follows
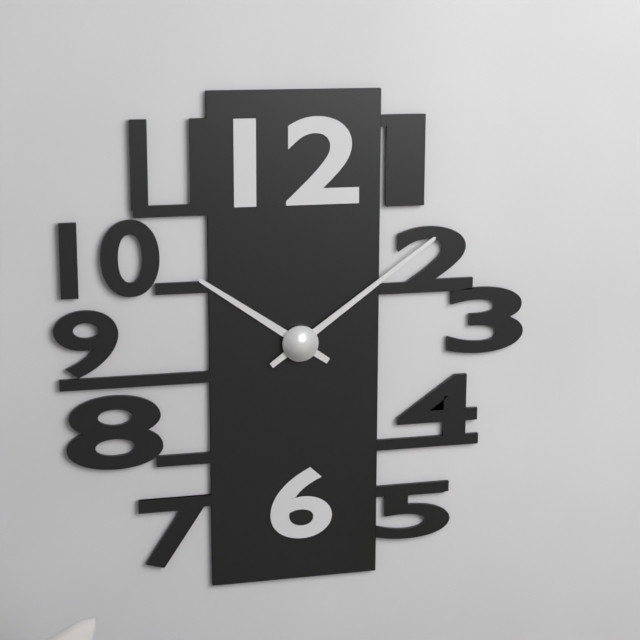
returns 10,09
